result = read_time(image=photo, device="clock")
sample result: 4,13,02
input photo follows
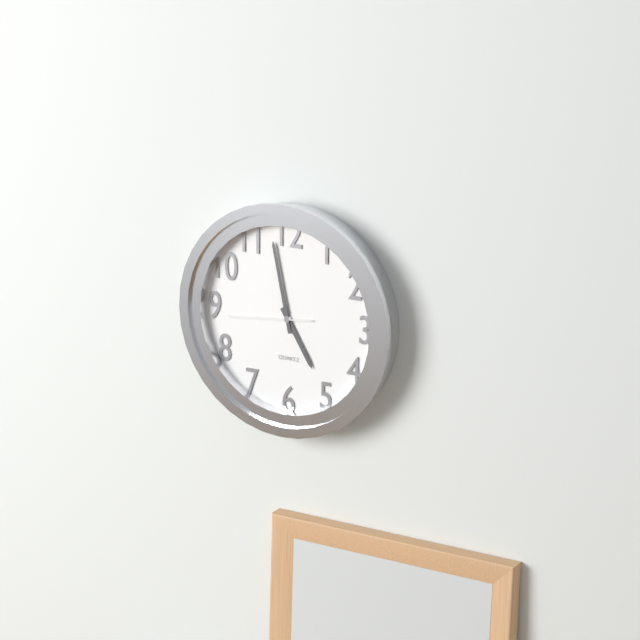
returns 4,58,44
